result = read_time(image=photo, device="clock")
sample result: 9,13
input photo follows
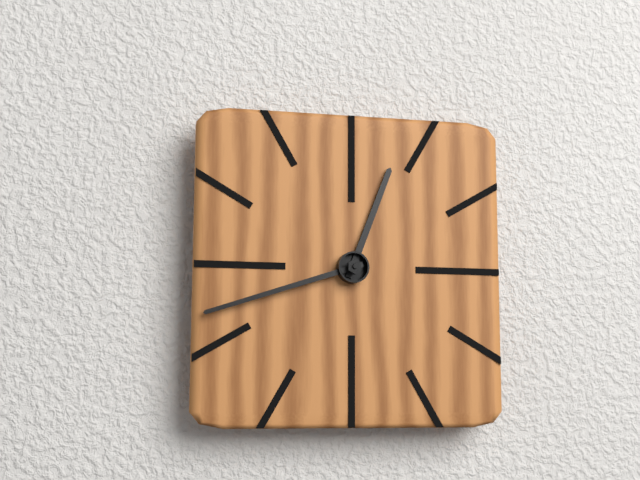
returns 12,42
